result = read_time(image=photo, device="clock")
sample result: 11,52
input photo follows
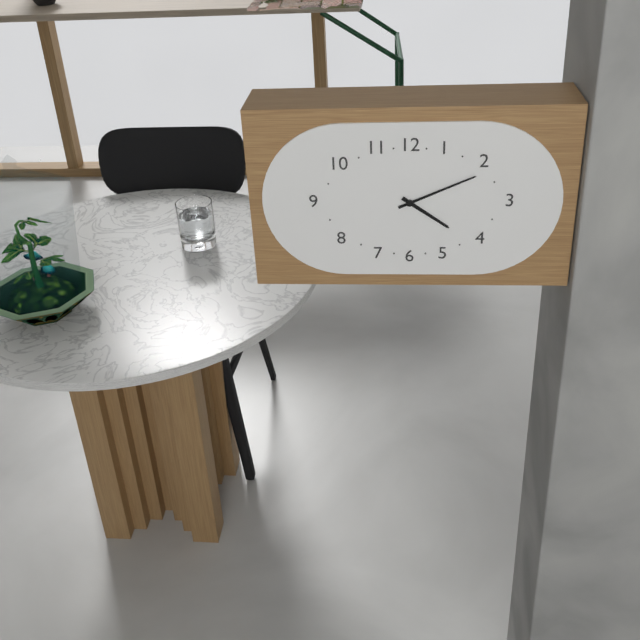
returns 4,11
